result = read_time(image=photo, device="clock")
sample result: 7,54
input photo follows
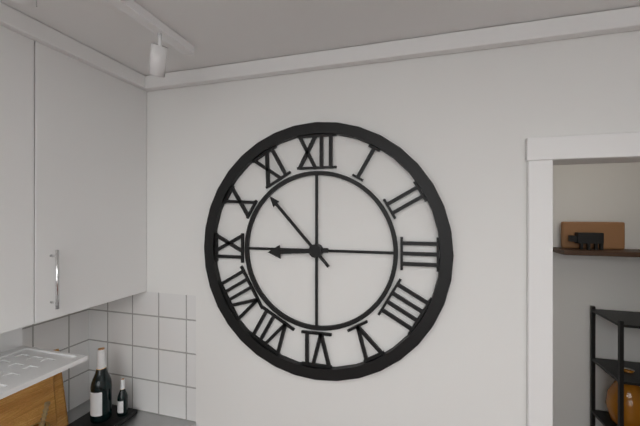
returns 8,53
